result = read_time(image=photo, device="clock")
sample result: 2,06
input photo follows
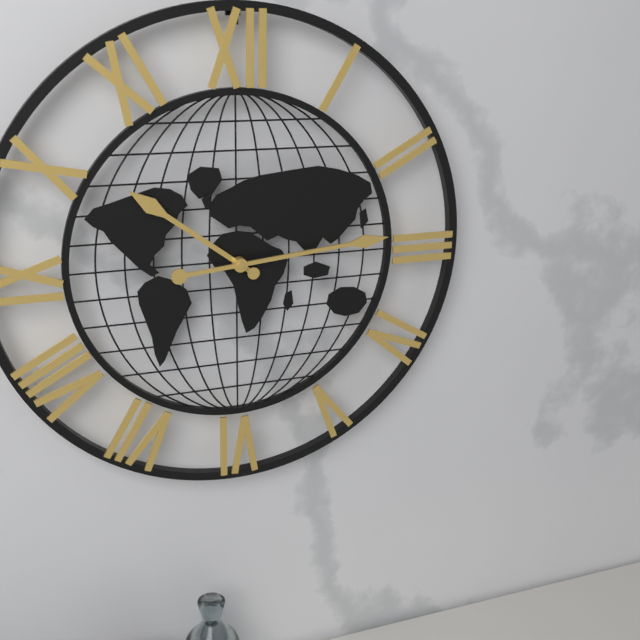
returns 10,14
